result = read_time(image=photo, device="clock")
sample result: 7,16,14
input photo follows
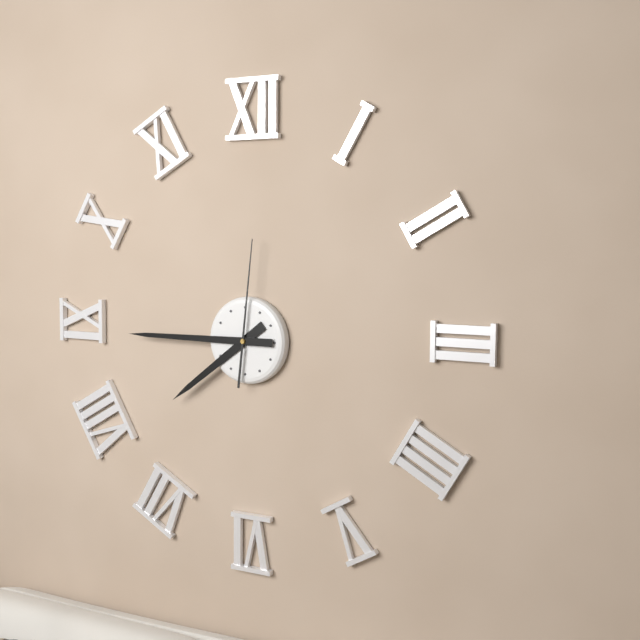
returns 7,45,01
